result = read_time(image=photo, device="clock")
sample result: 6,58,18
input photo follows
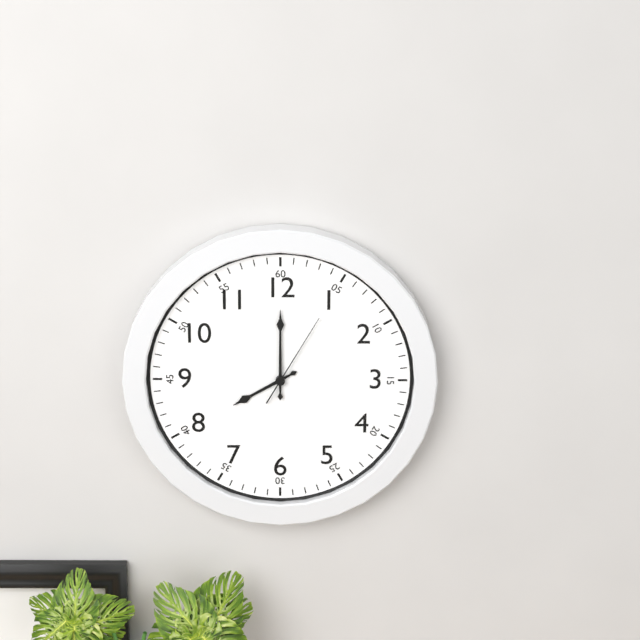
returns 8,00,05
